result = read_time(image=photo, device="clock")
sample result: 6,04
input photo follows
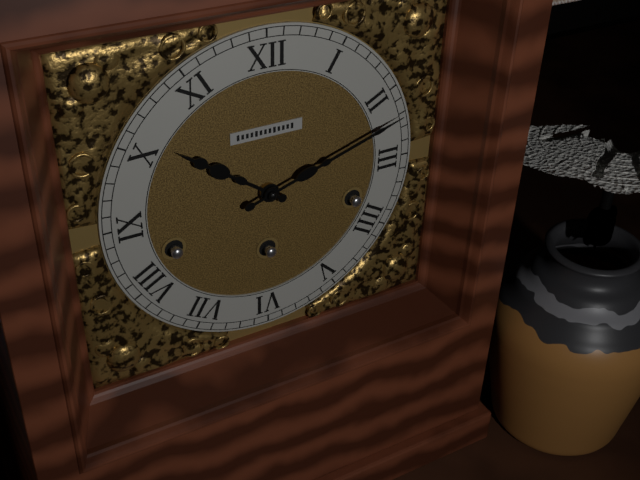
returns 10,12
